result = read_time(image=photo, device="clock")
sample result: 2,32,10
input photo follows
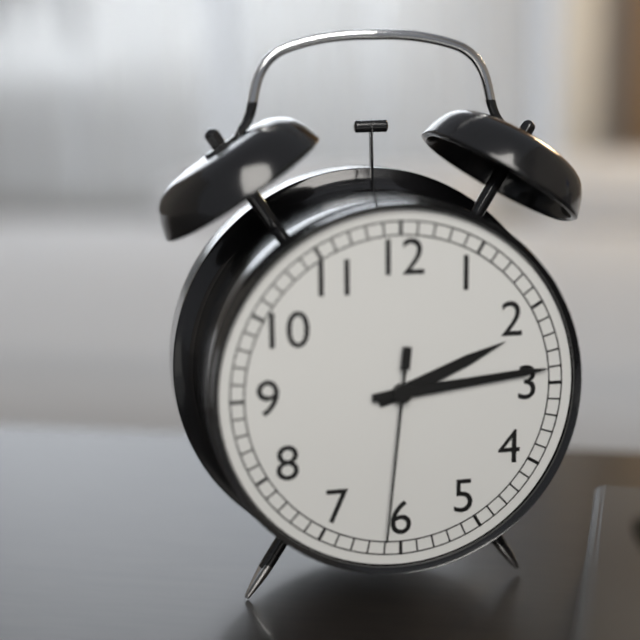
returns 2,14,31
